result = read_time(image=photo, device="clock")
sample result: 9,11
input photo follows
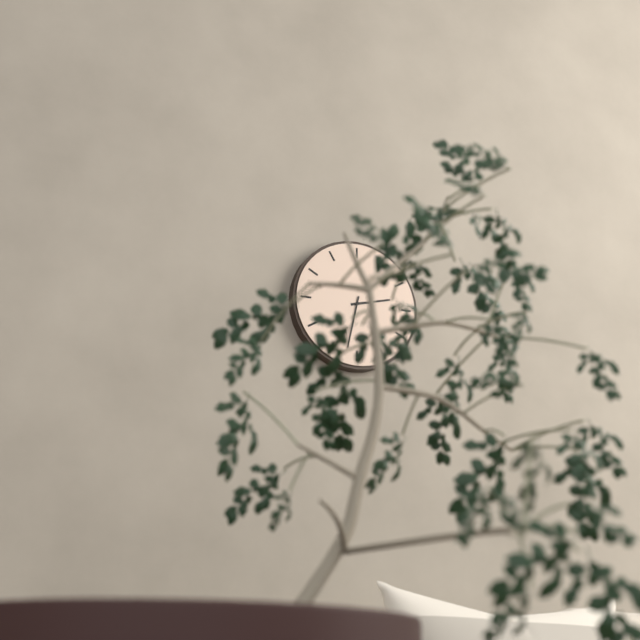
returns 2,32
